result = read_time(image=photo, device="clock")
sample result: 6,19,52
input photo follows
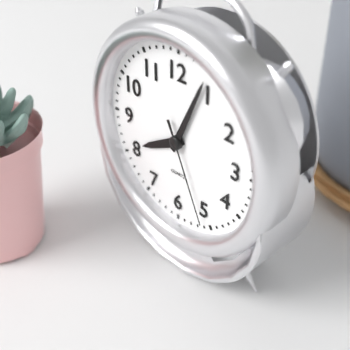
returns 8,04,26
